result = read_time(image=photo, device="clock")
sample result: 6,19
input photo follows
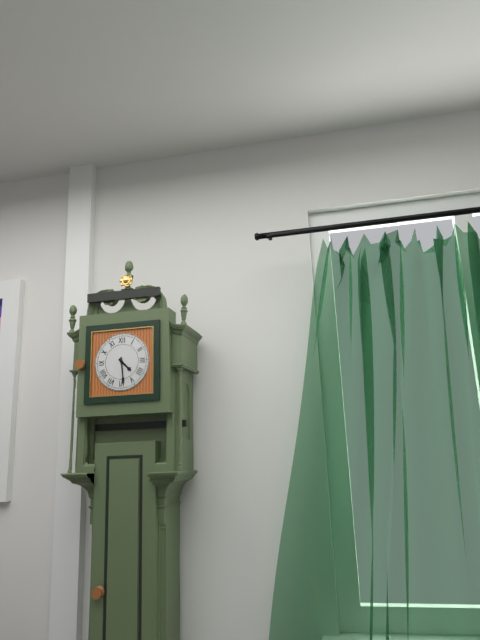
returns 4,29
